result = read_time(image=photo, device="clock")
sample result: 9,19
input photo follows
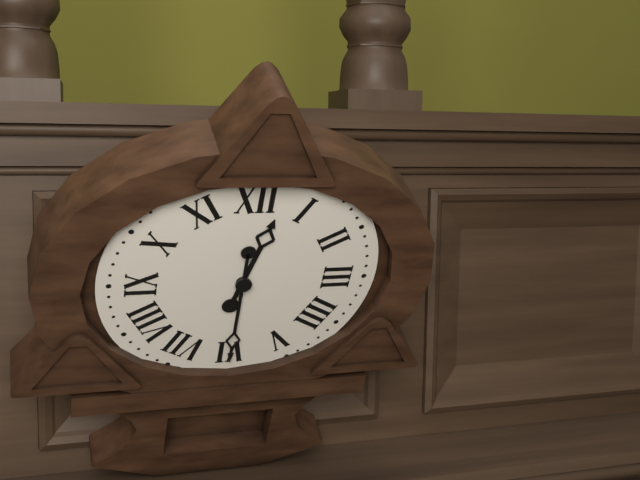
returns 12,30
